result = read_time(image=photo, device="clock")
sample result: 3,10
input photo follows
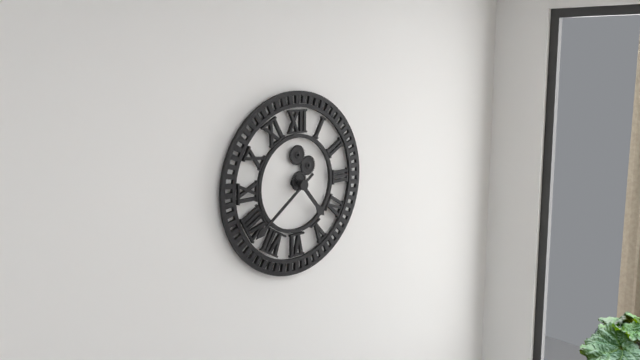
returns 4,39
